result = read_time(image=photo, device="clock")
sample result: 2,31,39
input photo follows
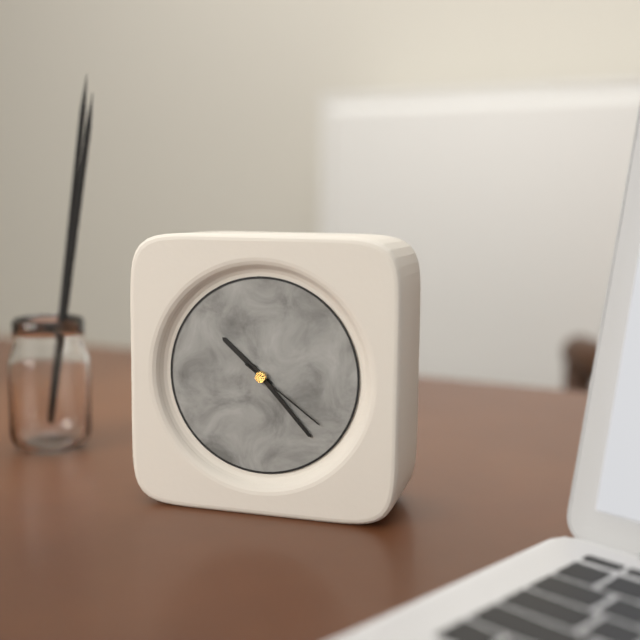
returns 10,23,21
